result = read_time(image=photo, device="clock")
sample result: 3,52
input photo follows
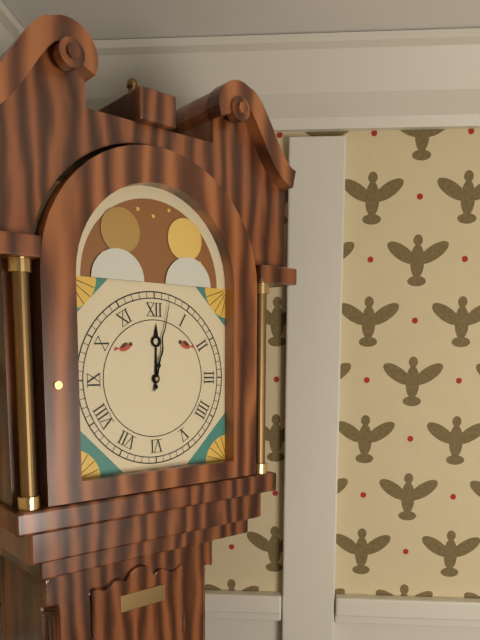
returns 12,02
